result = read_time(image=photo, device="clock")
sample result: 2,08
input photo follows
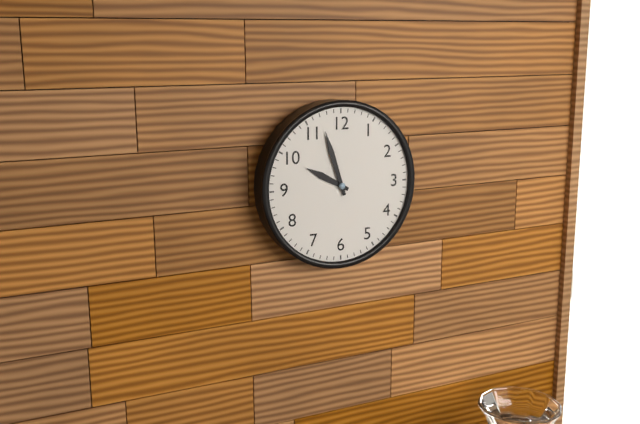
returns 9,57
